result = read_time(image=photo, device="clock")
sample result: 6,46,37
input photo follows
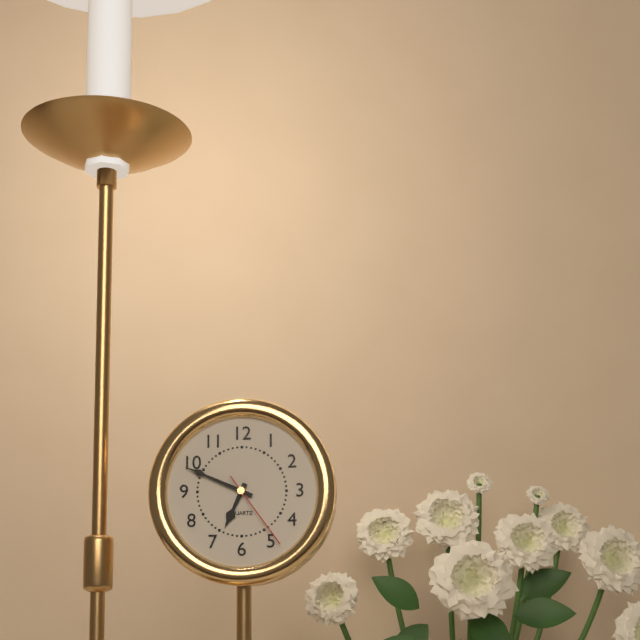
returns 6,49,24
